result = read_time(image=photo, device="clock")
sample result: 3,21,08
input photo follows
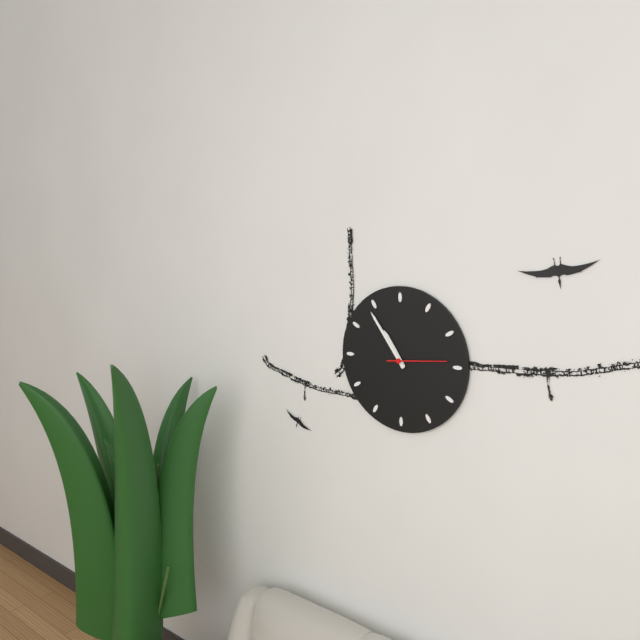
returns 10,54,14
